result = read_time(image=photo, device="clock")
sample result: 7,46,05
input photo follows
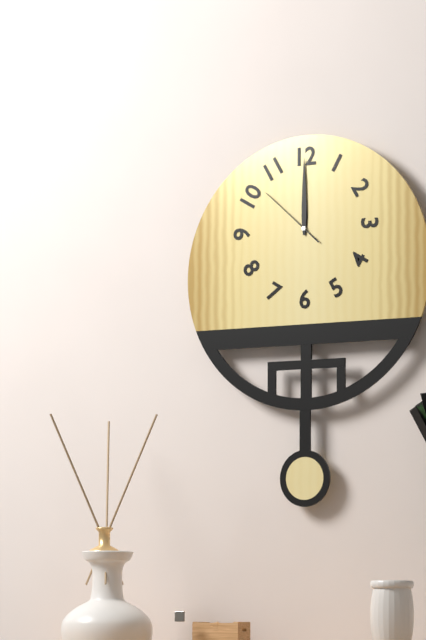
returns 12,00,52
